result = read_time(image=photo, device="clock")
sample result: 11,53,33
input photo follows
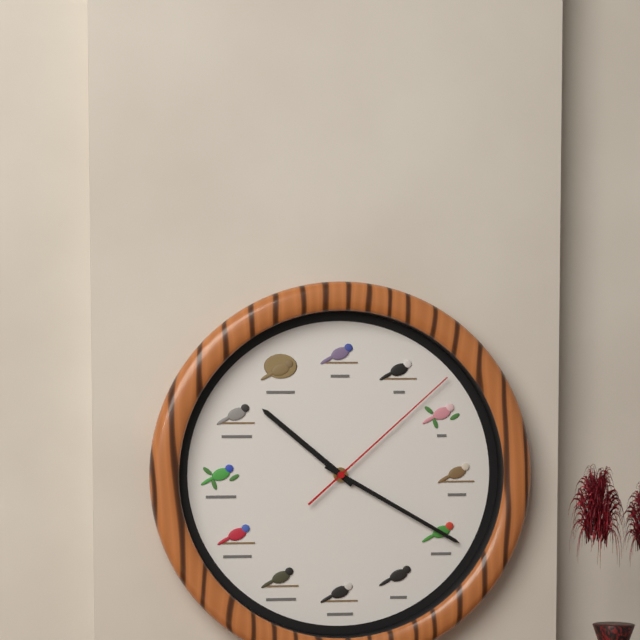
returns 10,20,08
